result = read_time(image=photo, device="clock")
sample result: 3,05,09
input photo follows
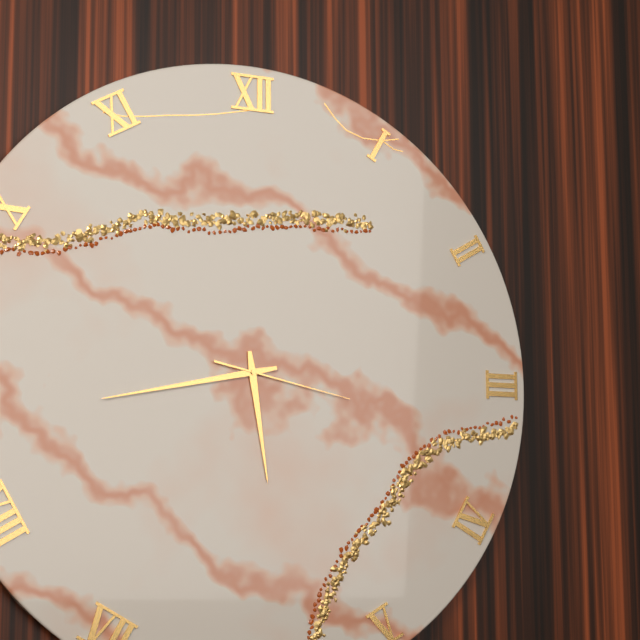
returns 5,43,17
